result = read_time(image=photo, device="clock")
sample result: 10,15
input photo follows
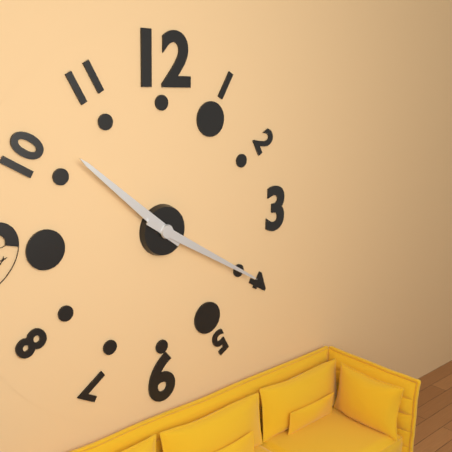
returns 10,20
